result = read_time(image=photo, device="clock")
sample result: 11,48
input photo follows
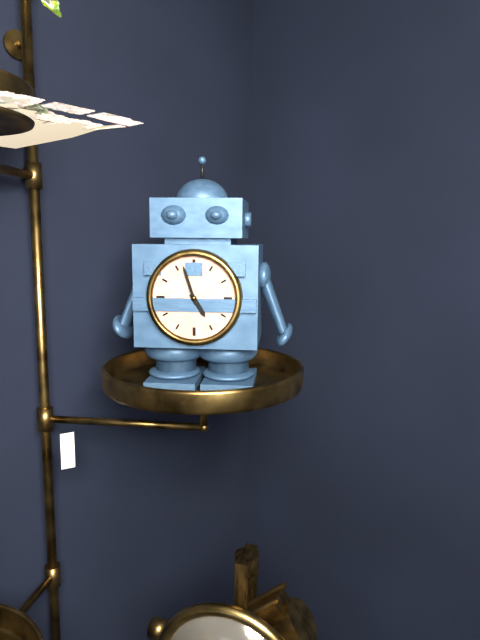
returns 4,57
